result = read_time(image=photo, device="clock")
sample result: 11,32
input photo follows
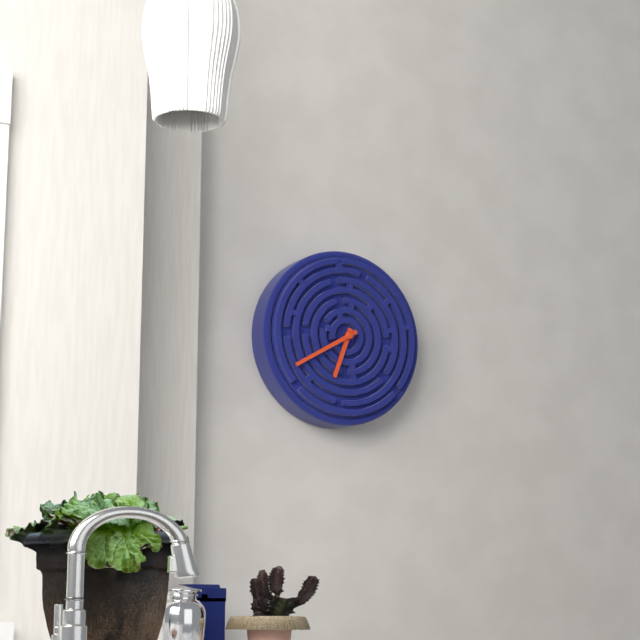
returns 6,40
